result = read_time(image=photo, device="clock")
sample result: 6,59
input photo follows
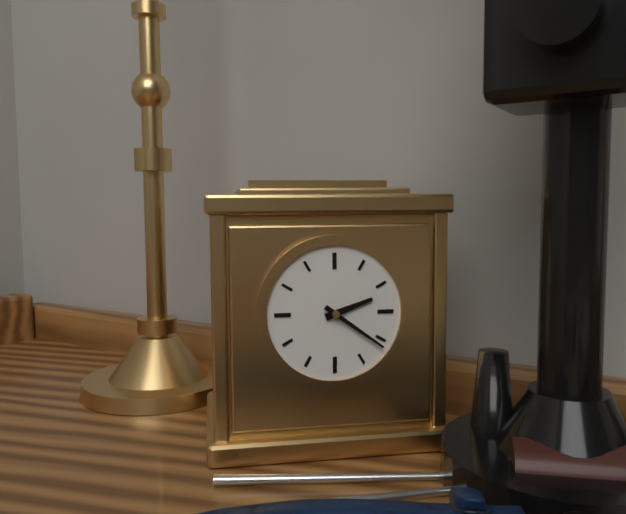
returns 2,21
